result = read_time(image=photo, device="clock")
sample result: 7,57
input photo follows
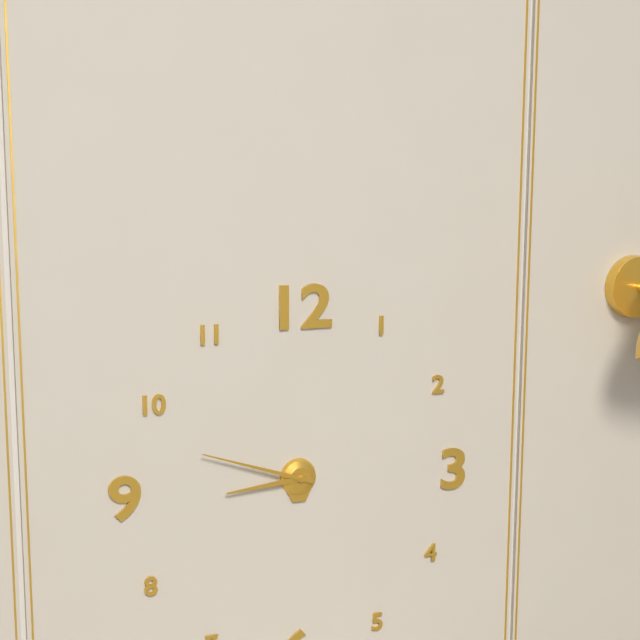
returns 8,48
